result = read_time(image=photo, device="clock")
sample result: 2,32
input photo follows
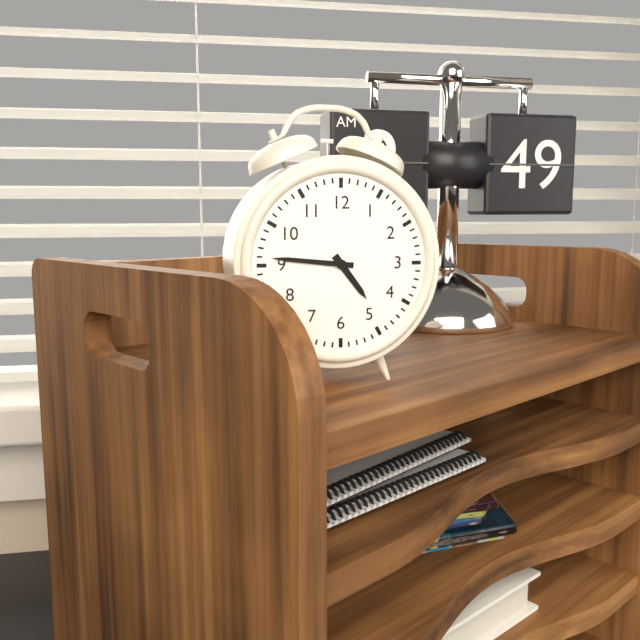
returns 4,46
